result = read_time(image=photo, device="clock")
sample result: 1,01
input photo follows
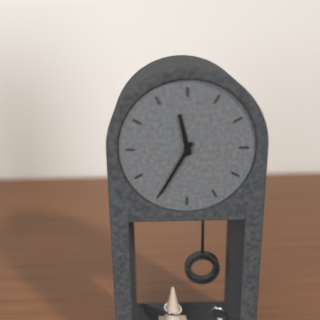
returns 11,35
